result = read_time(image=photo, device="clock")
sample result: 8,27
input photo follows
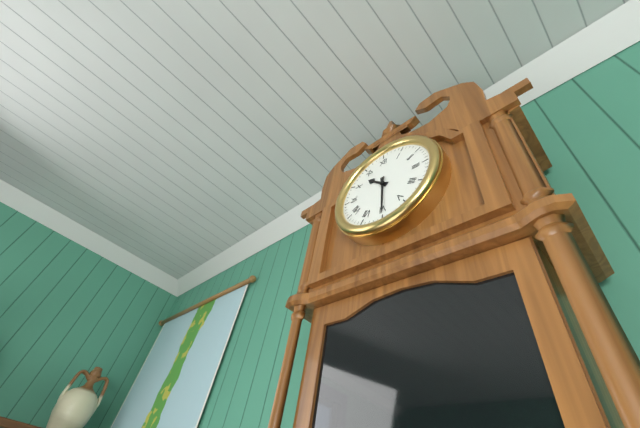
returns 10,30
